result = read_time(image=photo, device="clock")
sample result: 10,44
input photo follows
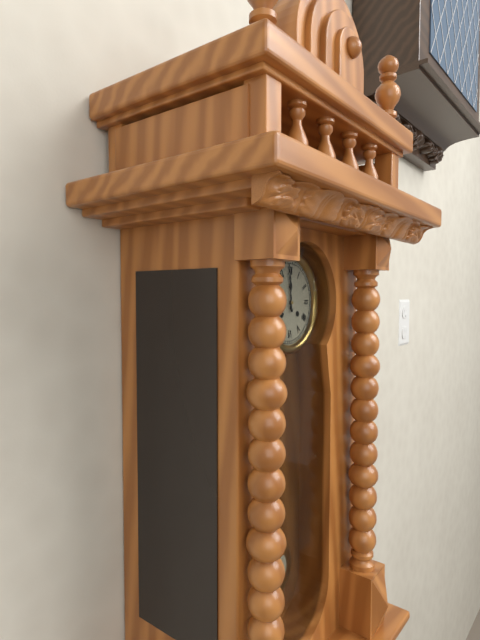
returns 11,59
